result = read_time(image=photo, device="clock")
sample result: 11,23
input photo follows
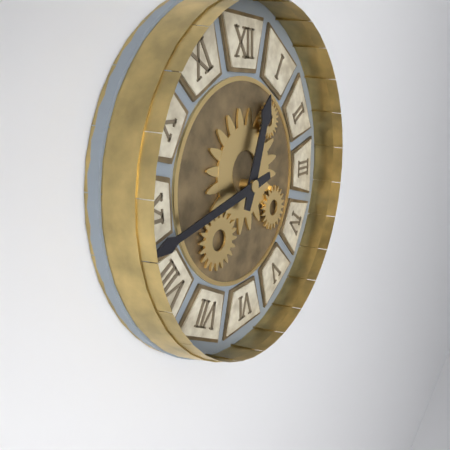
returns 12,43
